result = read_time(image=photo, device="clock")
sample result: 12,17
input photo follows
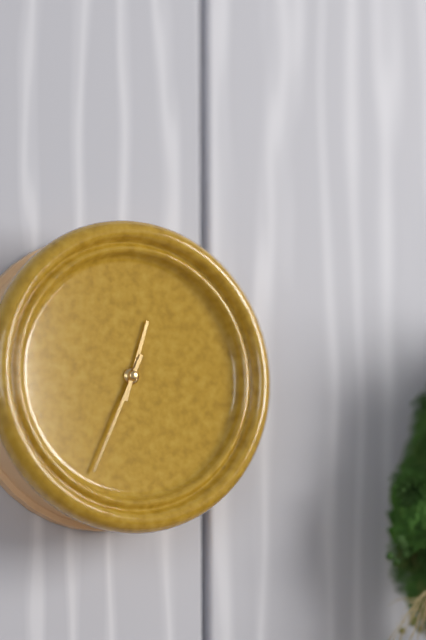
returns 12,34
